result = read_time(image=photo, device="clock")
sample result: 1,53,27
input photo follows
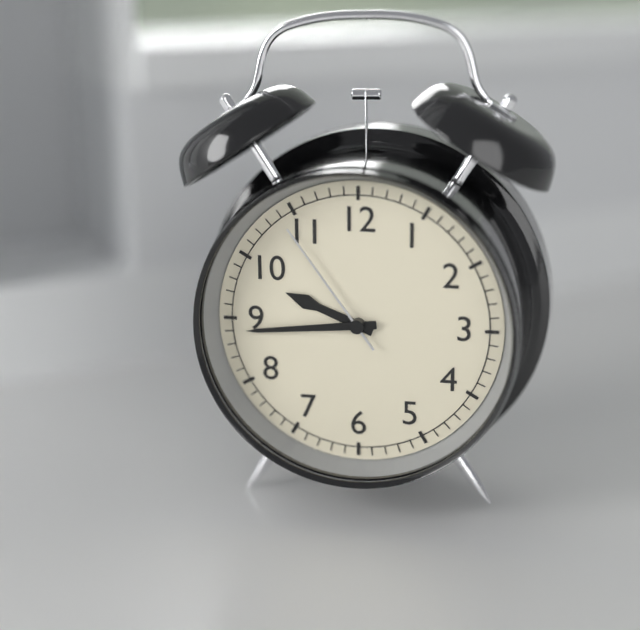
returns 9,44,54
